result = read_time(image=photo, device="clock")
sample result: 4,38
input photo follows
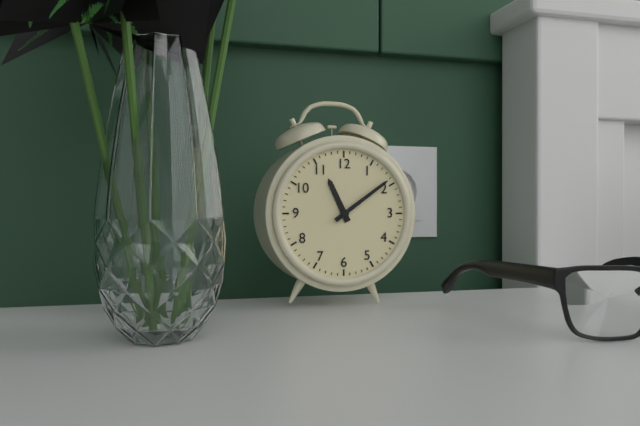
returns 11,09
